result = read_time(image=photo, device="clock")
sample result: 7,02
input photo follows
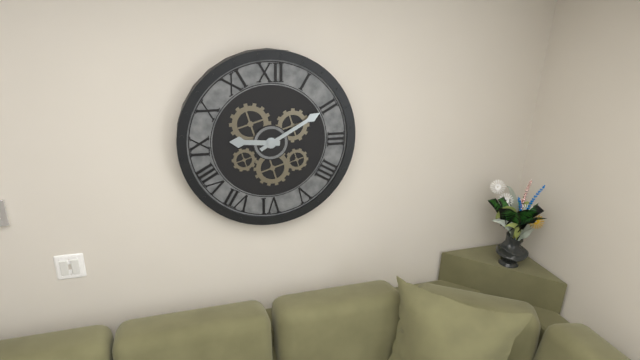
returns 9,10
